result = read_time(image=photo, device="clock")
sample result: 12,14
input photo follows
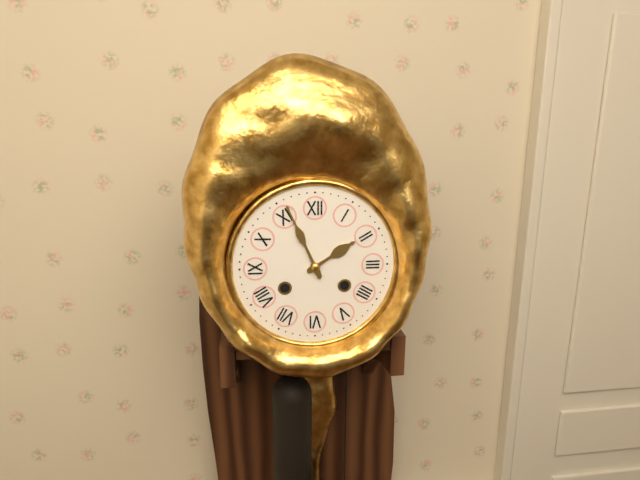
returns 1,56
